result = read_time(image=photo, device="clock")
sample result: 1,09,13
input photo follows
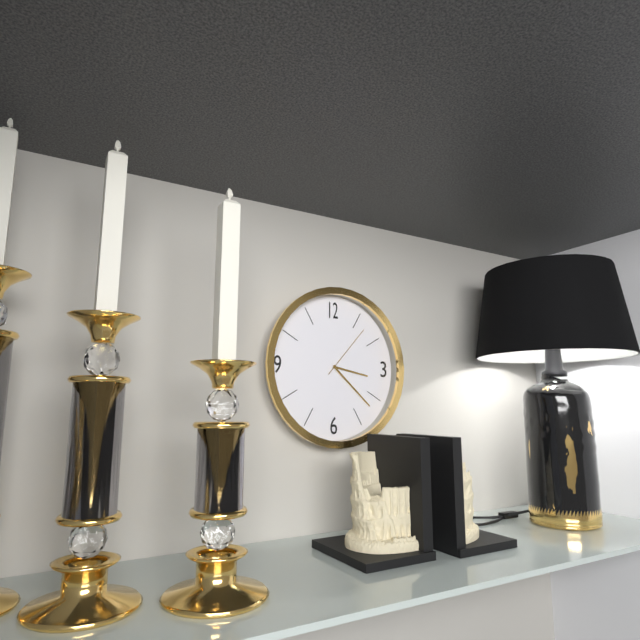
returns 3,22,07
